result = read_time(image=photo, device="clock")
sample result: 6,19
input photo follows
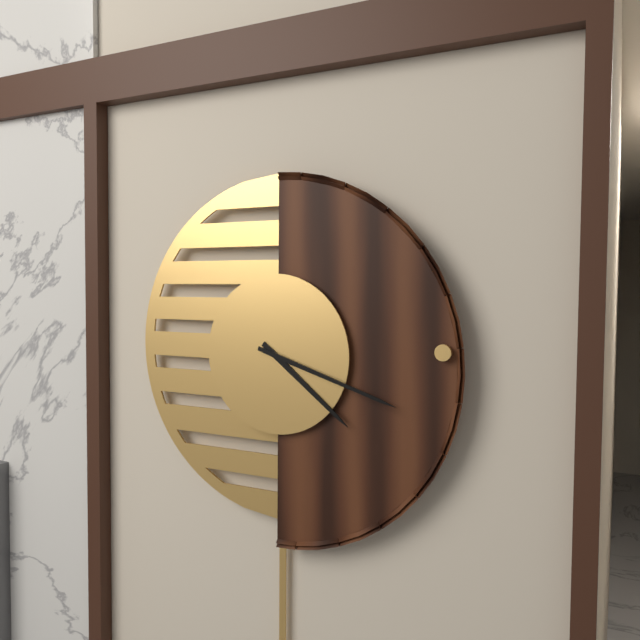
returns 4,18
